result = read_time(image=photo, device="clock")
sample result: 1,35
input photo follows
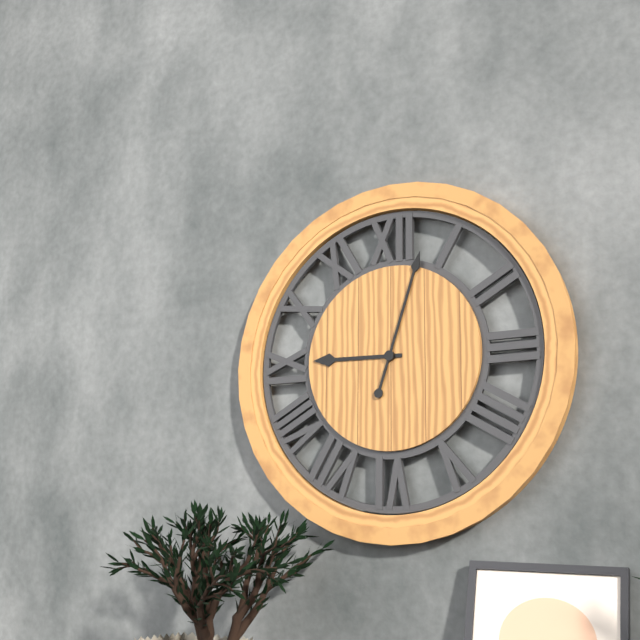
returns 9,03
